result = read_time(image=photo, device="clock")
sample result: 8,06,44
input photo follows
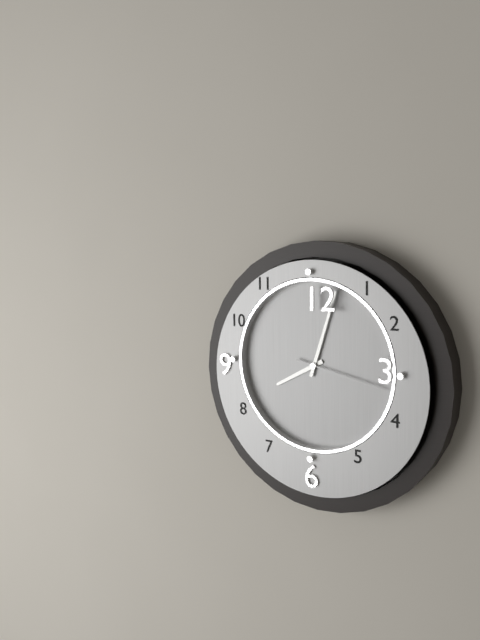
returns 8,03,17
